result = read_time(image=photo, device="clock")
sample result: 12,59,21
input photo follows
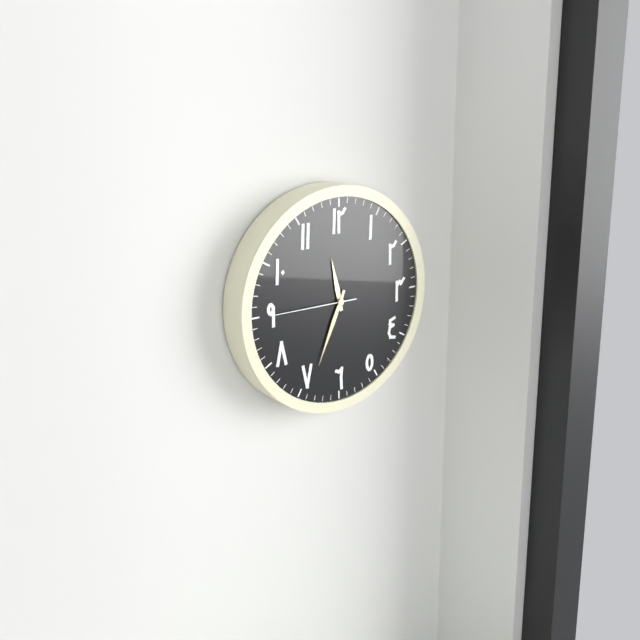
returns 11,34,45
